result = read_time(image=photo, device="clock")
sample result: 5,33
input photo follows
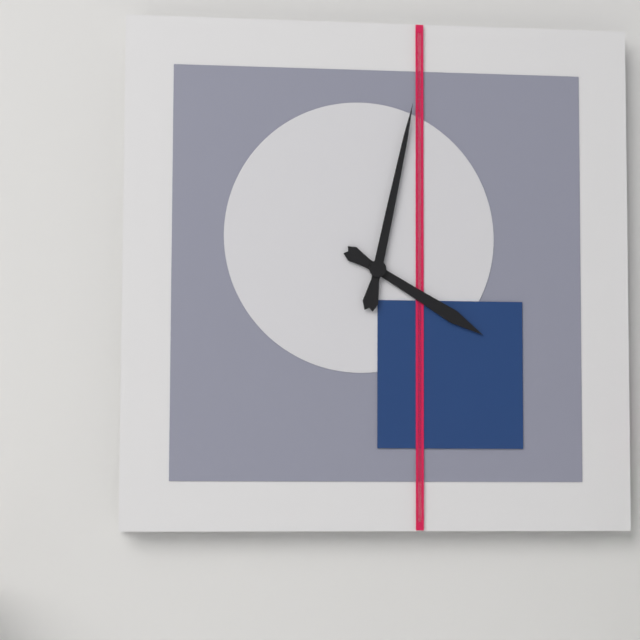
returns 4,02
